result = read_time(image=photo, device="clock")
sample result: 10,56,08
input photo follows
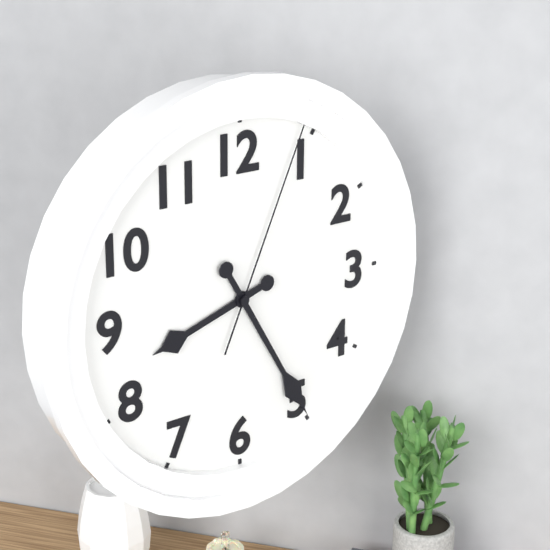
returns 8,25,04
